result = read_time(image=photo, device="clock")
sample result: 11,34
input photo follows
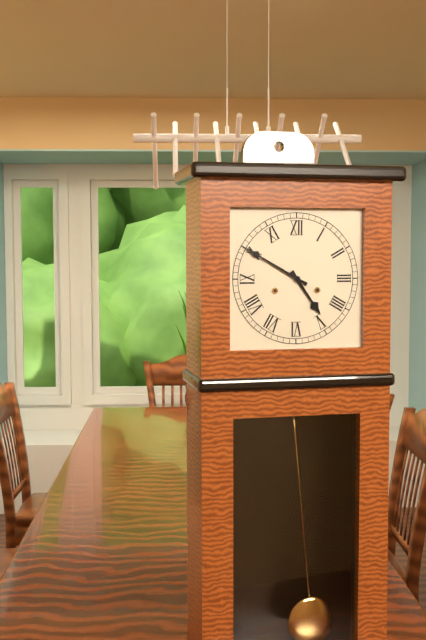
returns 4,50
